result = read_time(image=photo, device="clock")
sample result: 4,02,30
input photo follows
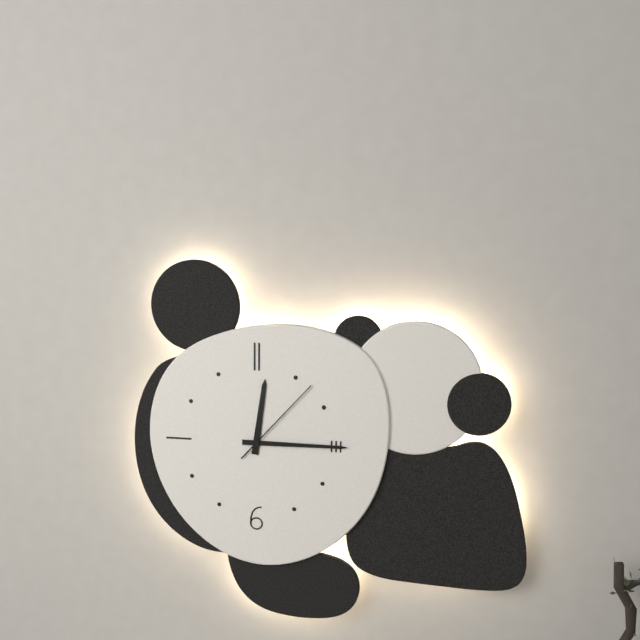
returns 12,15,07
